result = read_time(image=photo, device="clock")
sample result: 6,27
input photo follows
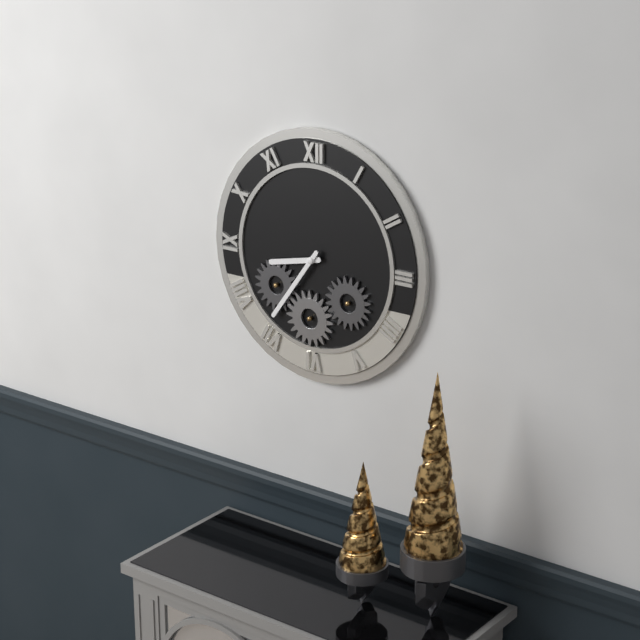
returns 8,36
